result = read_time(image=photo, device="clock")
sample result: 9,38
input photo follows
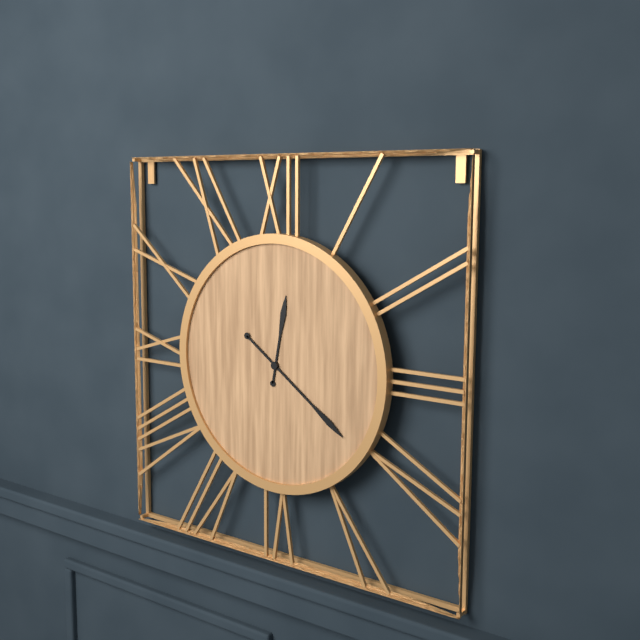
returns 12,21
